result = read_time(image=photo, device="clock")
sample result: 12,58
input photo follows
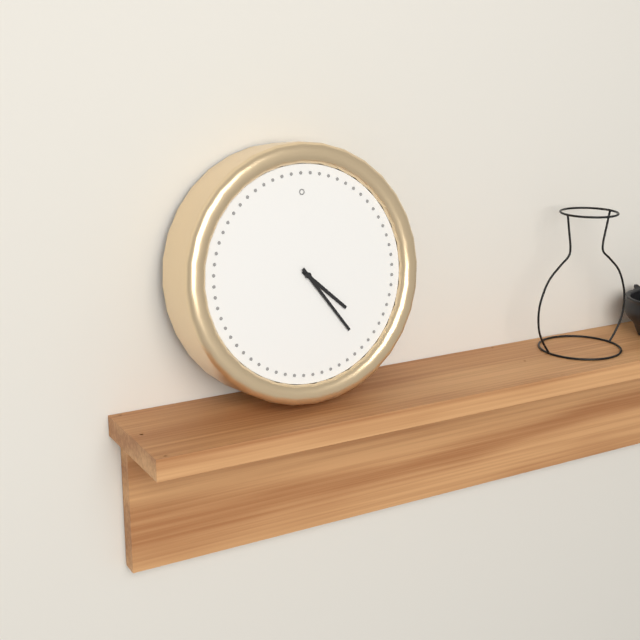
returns 4,24
